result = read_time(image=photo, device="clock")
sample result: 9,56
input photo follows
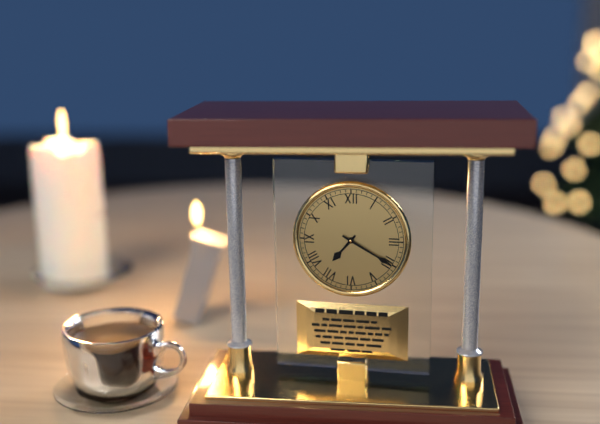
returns 7,20
